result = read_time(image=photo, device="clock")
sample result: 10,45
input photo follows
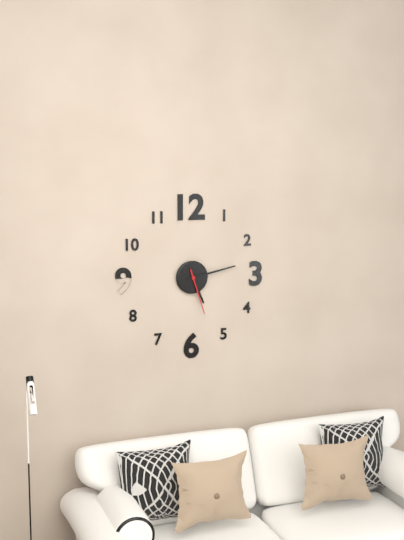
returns 5,13
